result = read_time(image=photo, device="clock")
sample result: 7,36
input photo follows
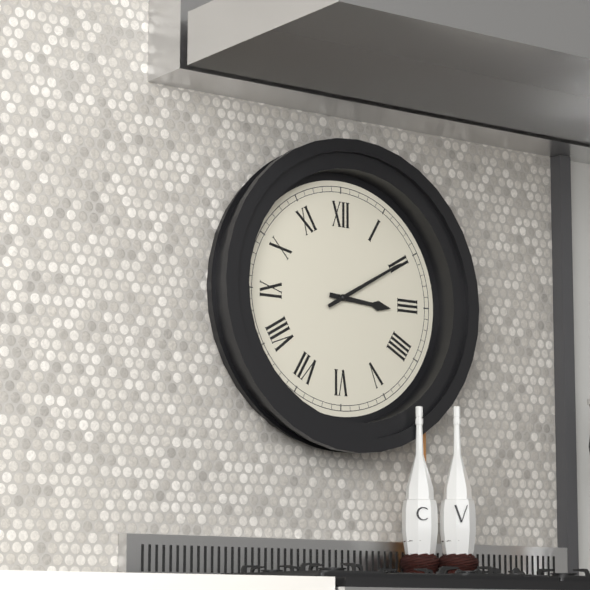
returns 3,10
